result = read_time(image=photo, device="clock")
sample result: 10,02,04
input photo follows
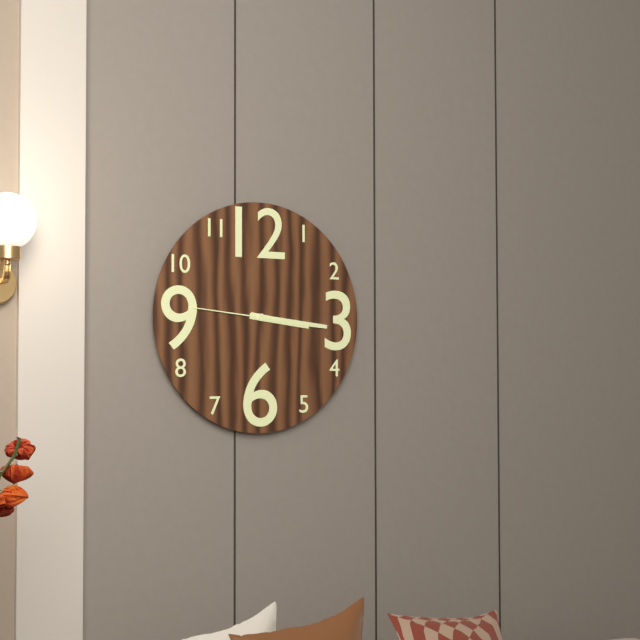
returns 3,16,46
